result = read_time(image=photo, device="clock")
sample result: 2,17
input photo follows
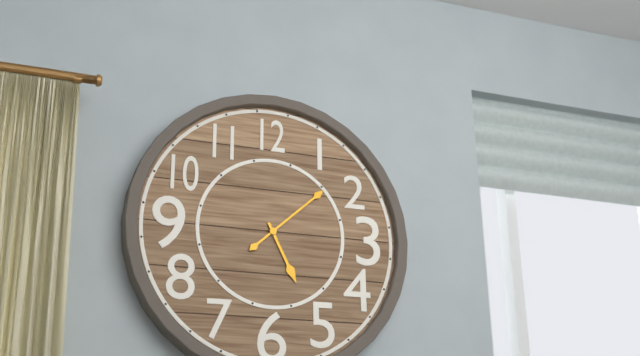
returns 5,08
